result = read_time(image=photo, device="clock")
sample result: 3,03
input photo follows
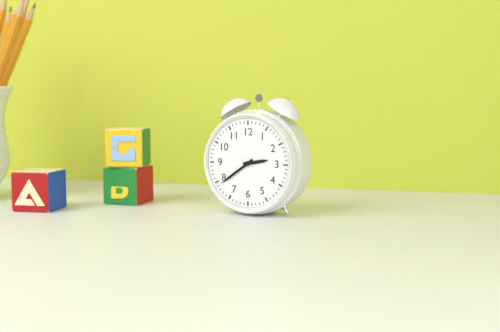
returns 2,39
